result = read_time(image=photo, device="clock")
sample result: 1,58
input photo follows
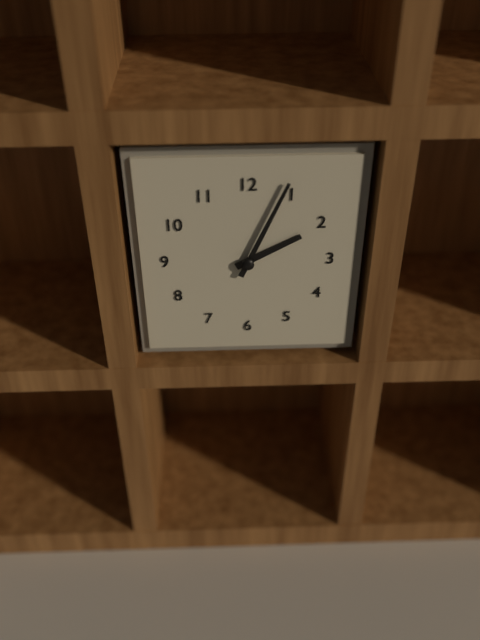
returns 2,04
